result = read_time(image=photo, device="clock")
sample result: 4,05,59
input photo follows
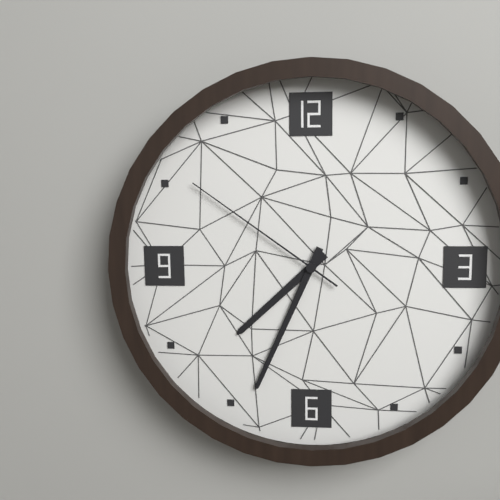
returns 7,34,51
